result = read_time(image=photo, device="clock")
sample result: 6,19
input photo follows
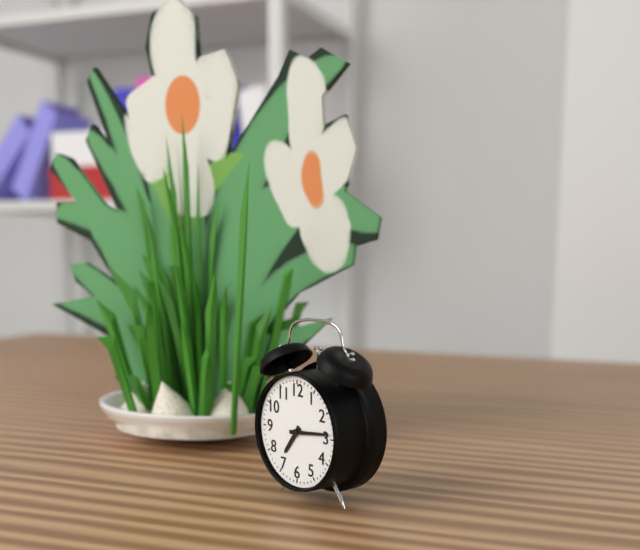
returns 7,14
